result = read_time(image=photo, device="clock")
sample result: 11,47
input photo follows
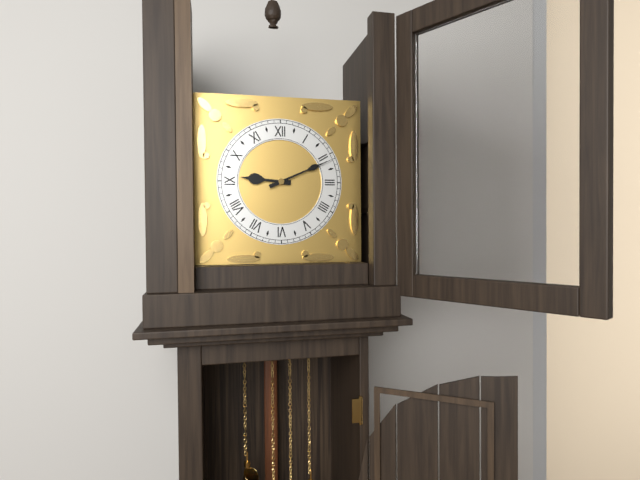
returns 9,11
